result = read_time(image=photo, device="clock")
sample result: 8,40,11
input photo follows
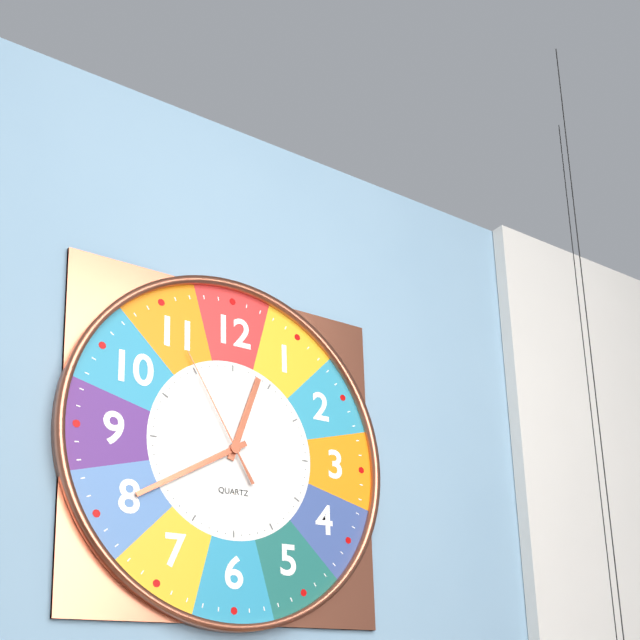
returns 12,40,55
